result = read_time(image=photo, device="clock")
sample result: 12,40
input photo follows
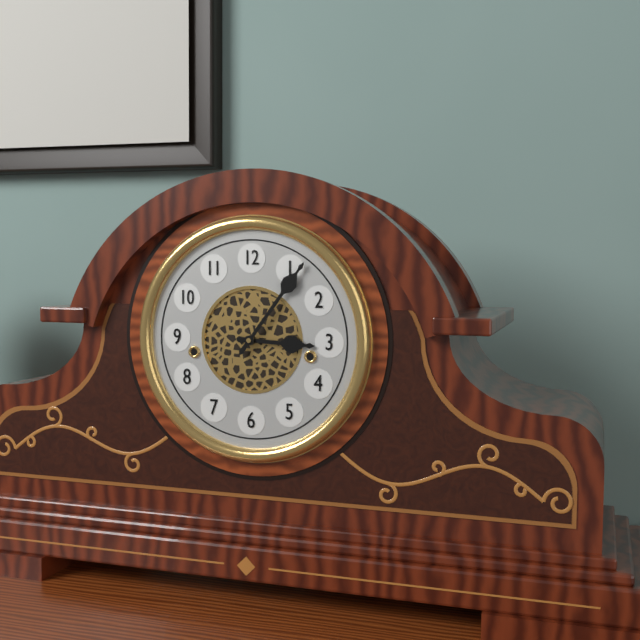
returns 3,06
